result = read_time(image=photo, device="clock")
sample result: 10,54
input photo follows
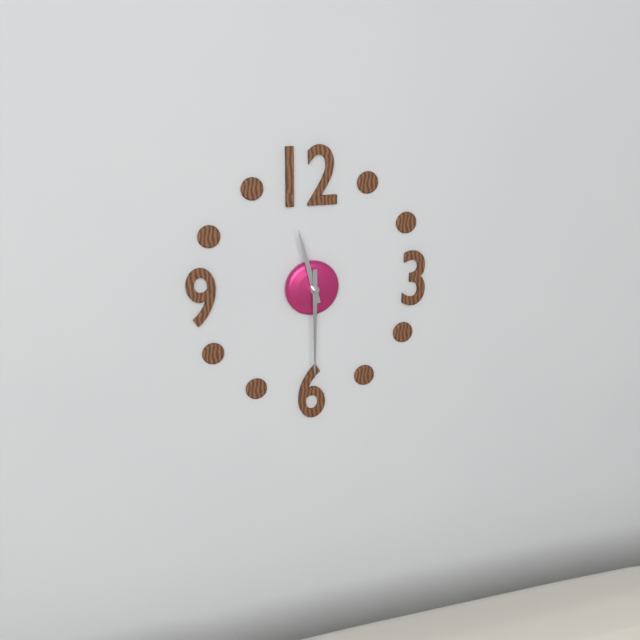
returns 11,30
